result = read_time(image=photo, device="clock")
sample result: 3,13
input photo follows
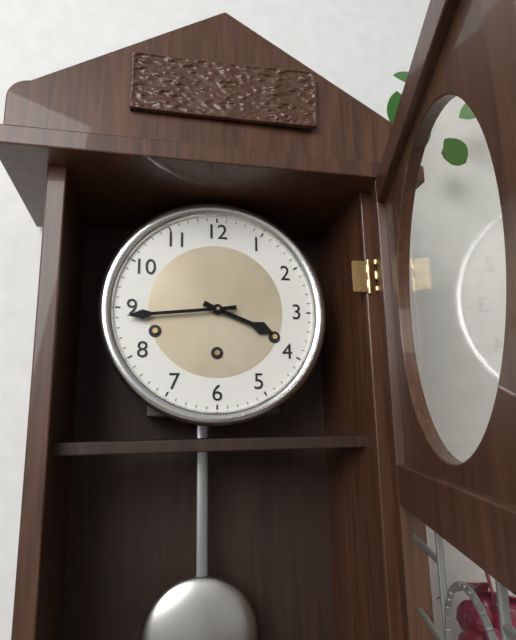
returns 3,44
